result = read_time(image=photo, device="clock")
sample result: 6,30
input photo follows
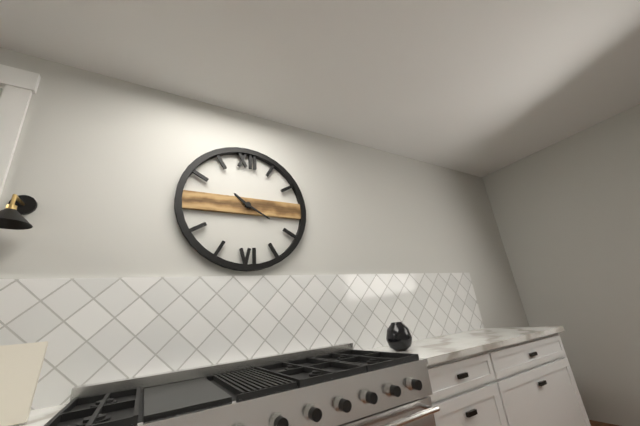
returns 10,20
